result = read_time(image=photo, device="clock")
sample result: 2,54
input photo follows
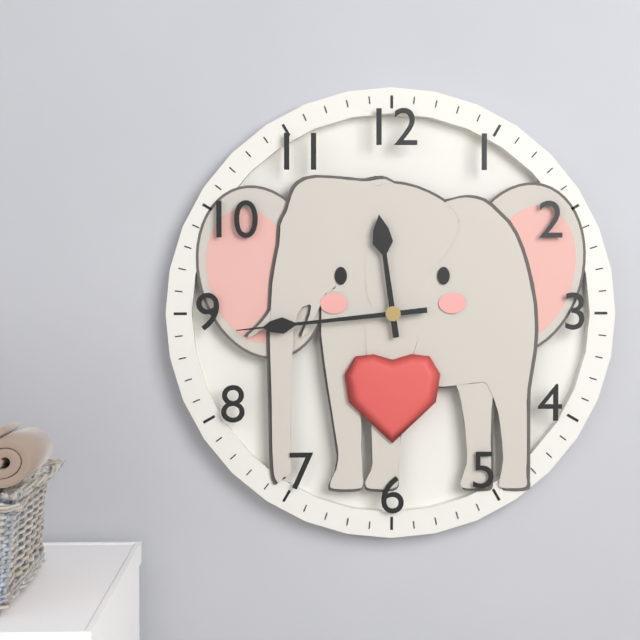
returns 11,44
